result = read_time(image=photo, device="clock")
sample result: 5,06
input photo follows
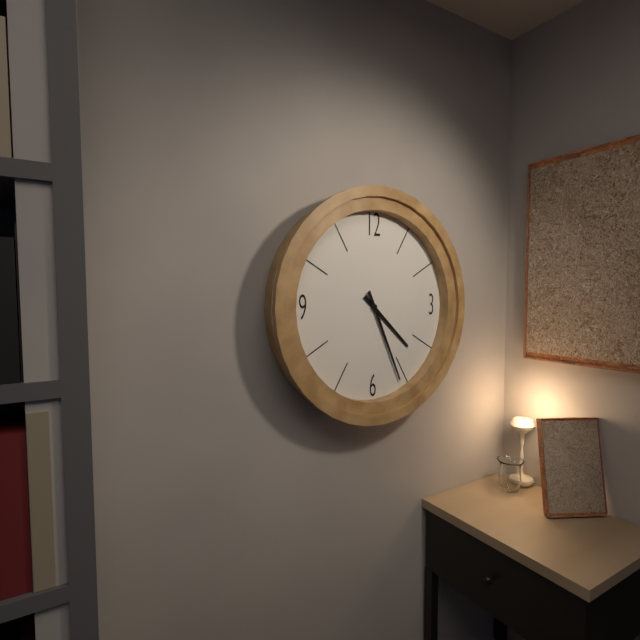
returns 4,26
